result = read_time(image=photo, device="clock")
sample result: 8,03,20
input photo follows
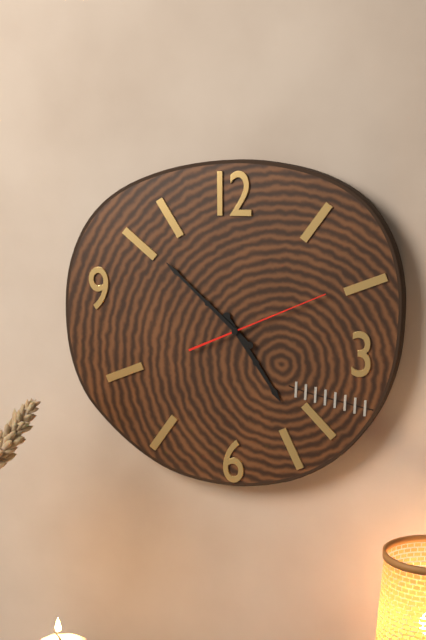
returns 4,52,11
